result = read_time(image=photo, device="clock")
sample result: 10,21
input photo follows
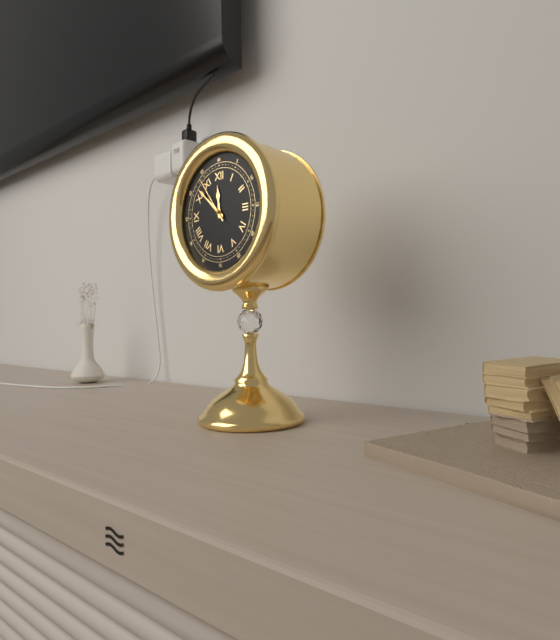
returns 11,52
